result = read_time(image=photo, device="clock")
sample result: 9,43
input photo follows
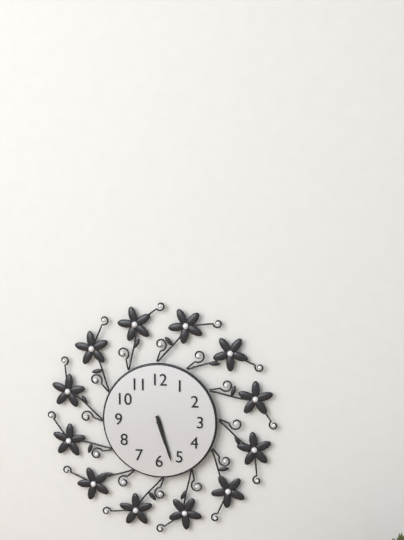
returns 5,27
